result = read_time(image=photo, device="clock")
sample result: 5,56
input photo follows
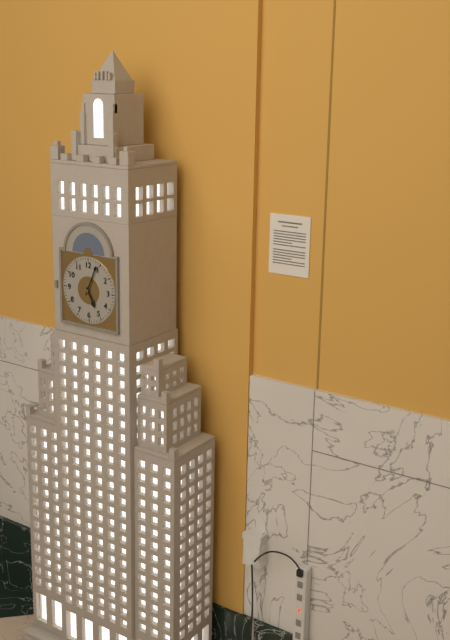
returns 5,04
